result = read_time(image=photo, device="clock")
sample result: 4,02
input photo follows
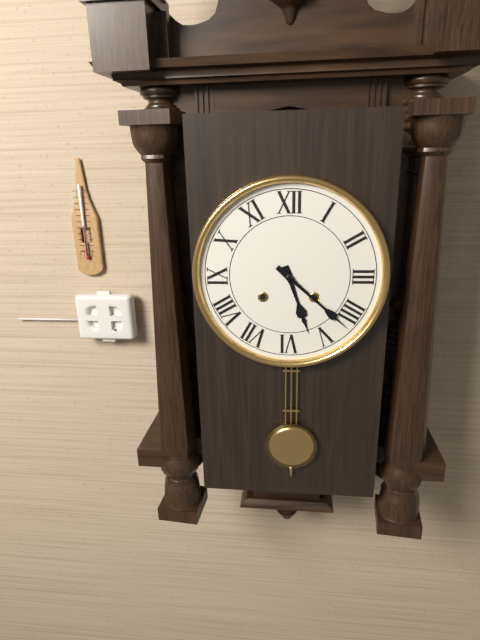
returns 5,22
